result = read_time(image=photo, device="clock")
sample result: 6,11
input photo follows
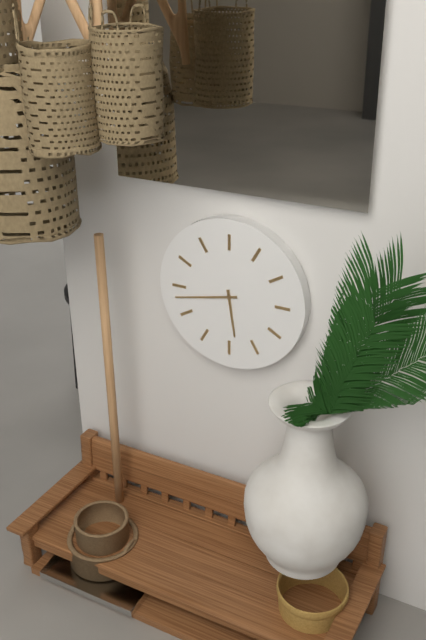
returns 5,43
